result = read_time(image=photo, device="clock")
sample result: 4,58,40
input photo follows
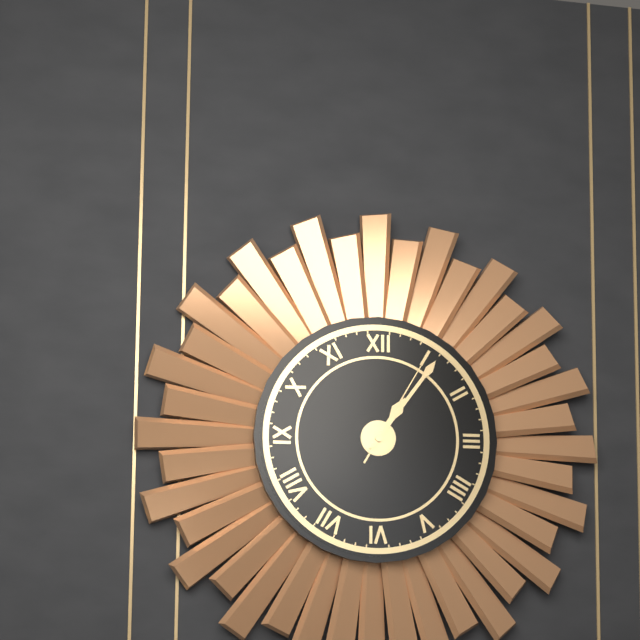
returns 1,06,05
